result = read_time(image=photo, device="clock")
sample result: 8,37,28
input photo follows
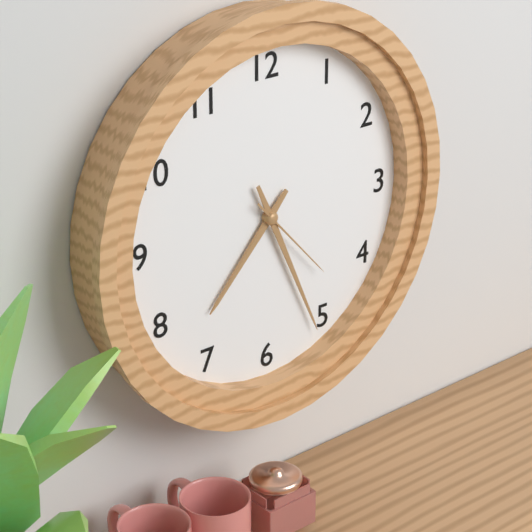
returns 7,26,23
